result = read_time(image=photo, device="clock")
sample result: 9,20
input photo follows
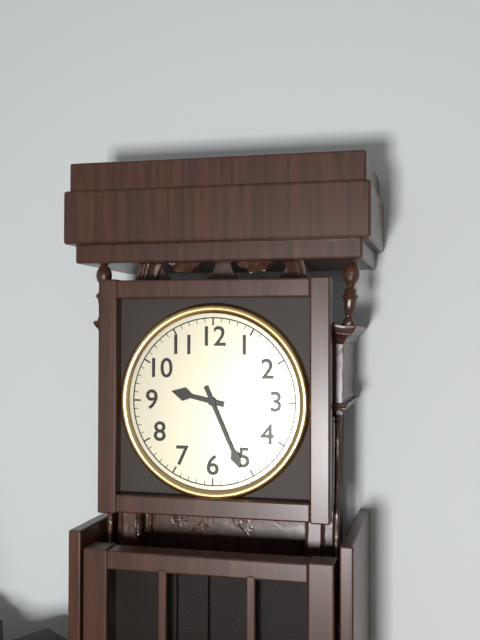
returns 9,26
